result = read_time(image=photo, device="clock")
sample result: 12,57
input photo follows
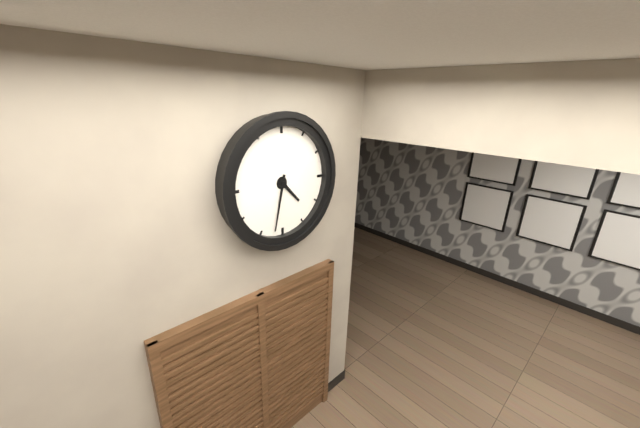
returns 4,32
